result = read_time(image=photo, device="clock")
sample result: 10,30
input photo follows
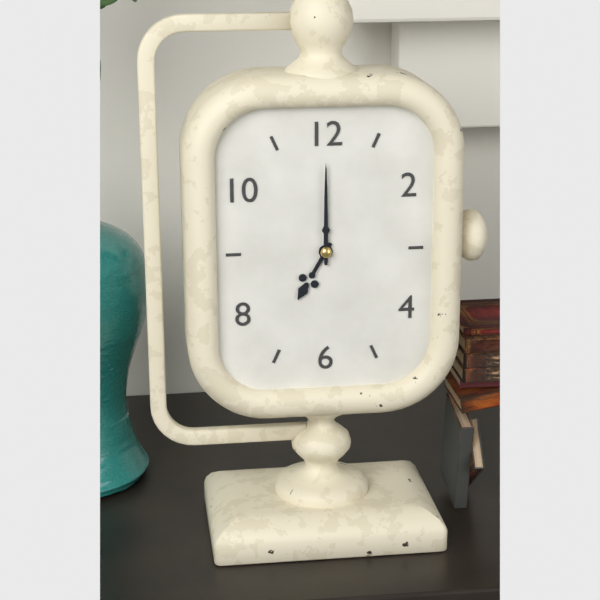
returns 7,00
